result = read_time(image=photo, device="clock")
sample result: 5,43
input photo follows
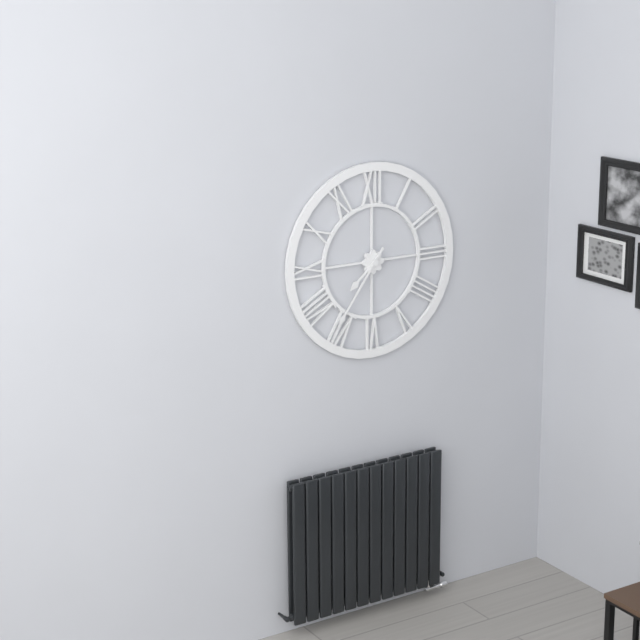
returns 7,36
